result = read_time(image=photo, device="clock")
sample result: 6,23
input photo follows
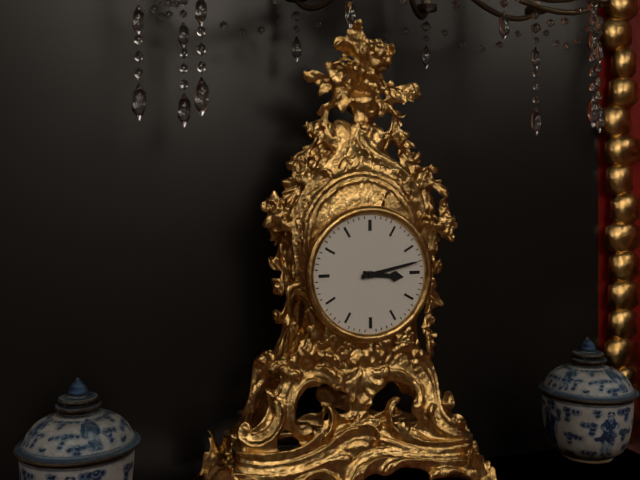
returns 3,13
